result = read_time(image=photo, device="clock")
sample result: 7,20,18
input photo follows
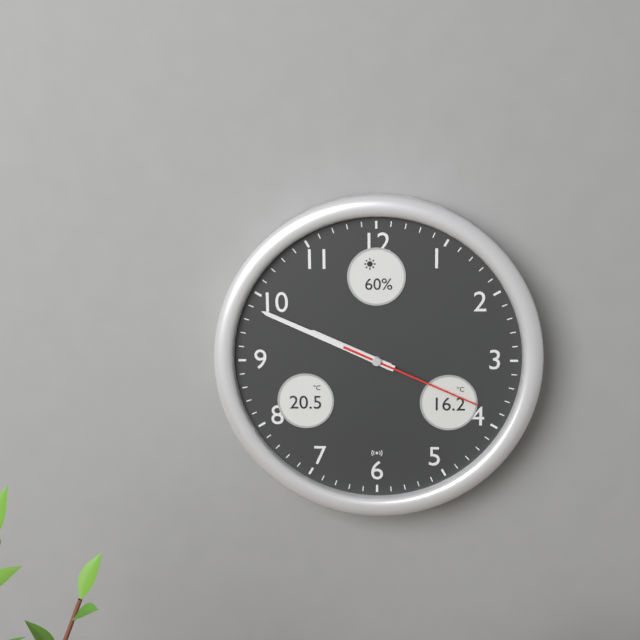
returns 9,49,19
